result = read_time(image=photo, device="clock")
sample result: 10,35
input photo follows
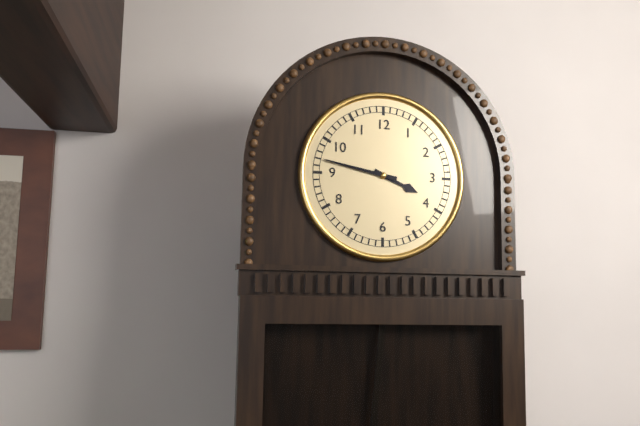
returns 3,47
